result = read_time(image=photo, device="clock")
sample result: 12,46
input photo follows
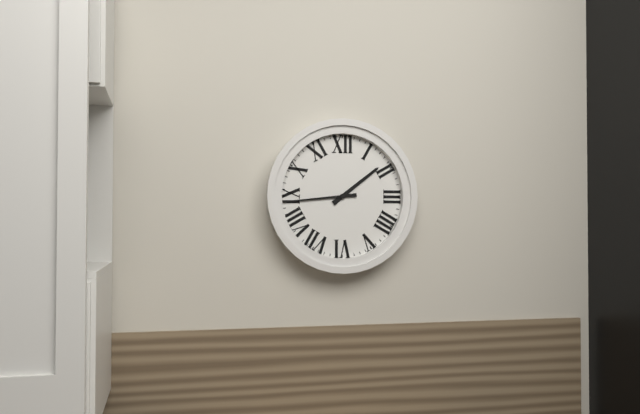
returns 1,44
